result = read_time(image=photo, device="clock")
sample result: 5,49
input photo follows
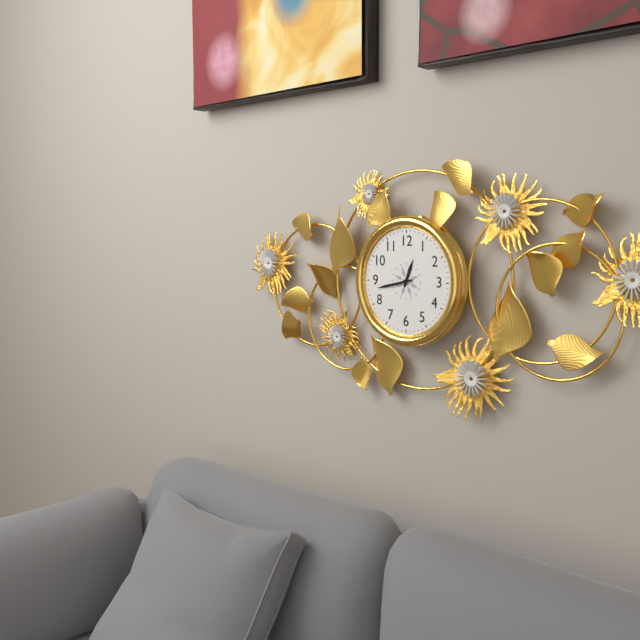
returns 12,43
